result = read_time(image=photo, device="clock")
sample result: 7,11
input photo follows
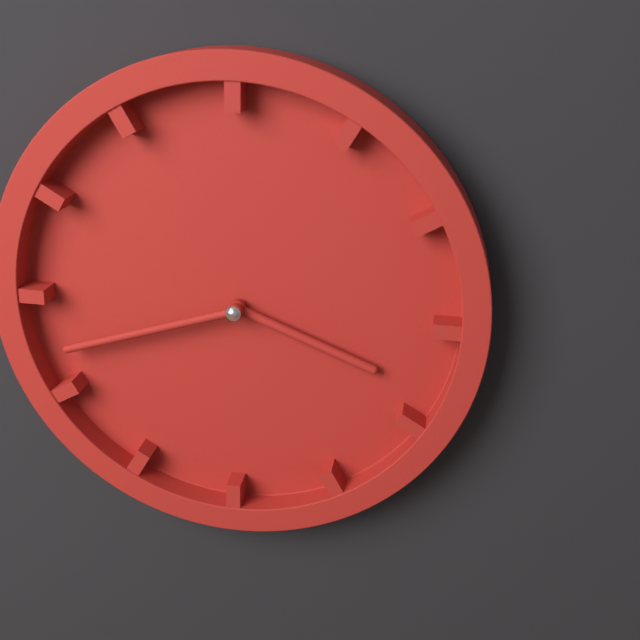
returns 3,42
